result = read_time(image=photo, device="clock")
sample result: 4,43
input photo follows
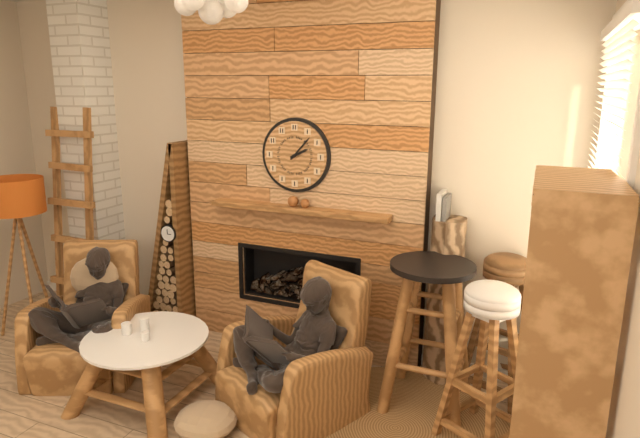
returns 2,07
